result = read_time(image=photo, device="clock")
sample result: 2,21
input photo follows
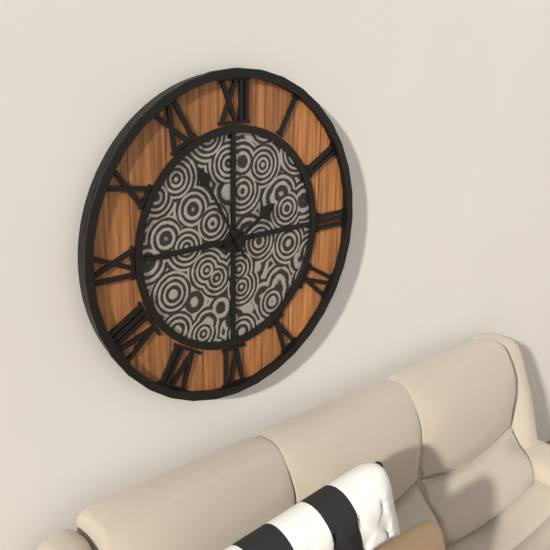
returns 1,55
